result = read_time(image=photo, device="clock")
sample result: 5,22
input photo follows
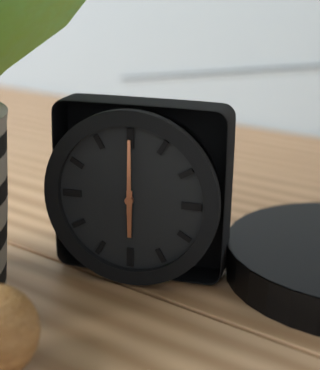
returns 6,00
